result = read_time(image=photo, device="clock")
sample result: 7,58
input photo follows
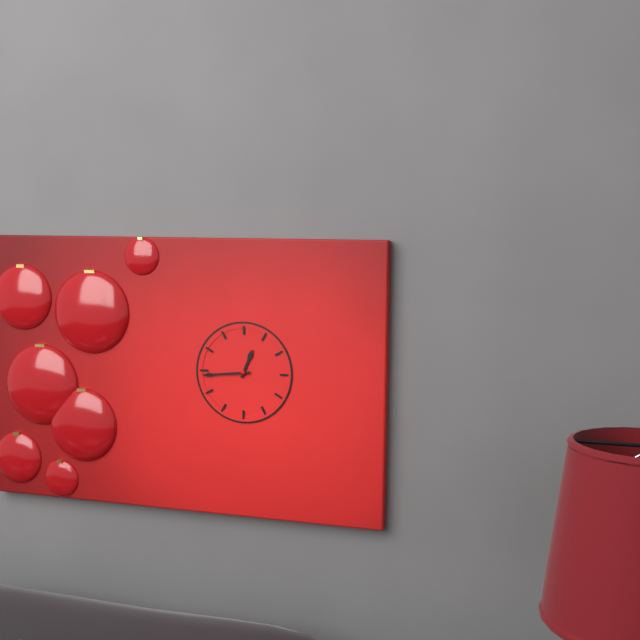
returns 12,44
